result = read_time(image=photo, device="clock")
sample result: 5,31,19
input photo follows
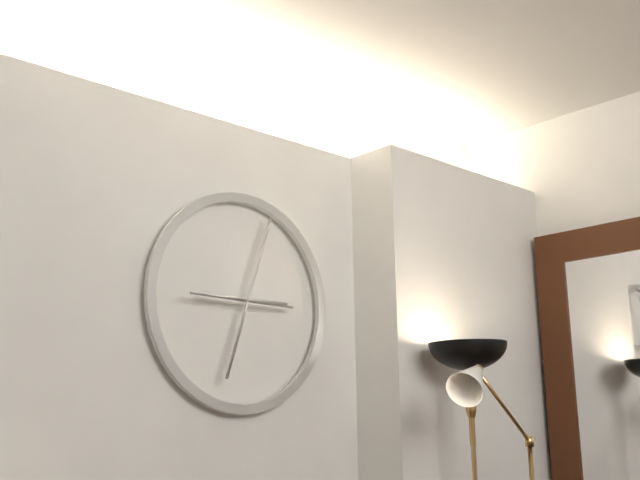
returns 3,03,45
